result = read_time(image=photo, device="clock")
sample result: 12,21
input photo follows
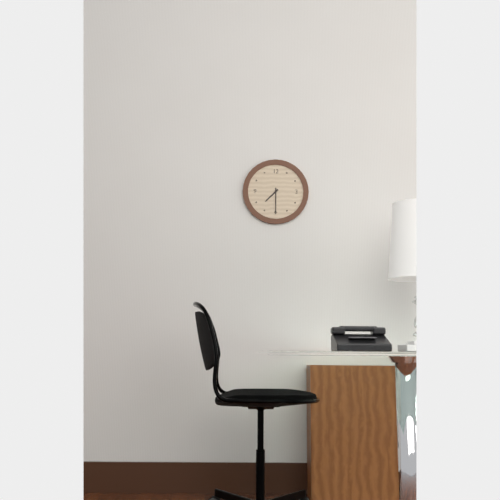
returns 7,30
